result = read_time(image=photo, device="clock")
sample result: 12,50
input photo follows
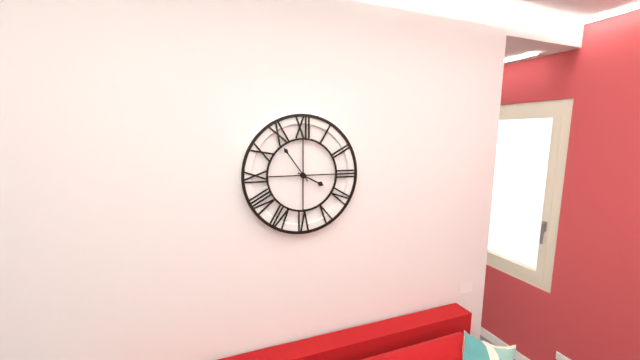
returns 3,54
